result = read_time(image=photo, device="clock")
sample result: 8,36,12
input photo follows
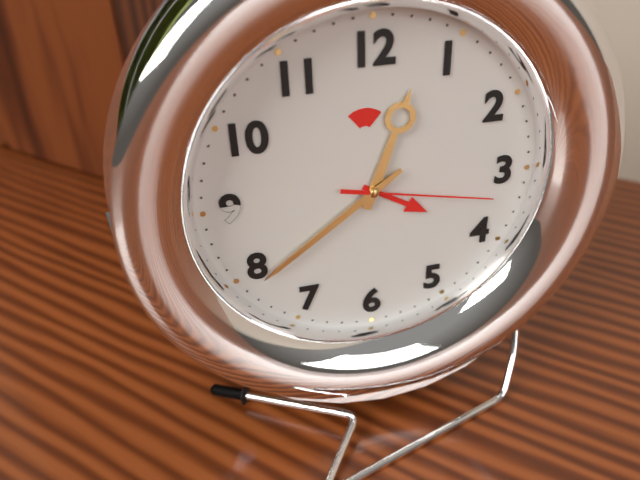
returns 12,39,17
